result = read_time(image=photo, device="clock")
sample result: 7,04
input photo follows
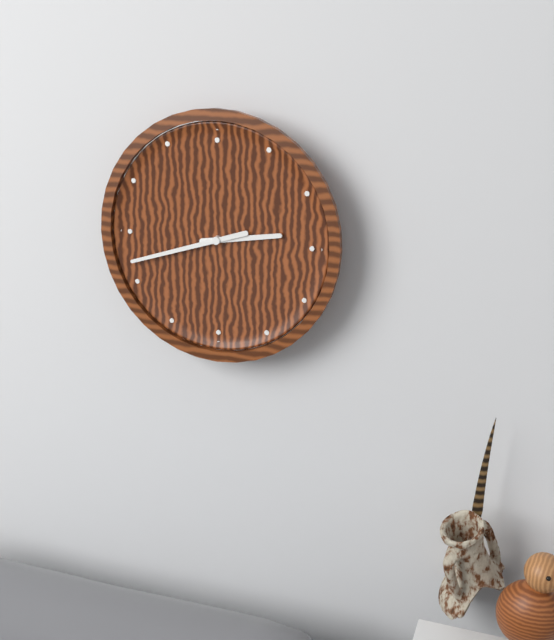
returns 2,42
